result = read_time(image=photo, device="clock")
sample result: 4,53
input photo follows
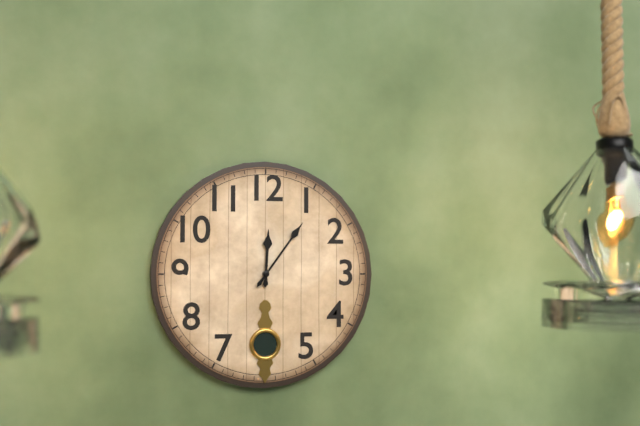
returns 12,06
